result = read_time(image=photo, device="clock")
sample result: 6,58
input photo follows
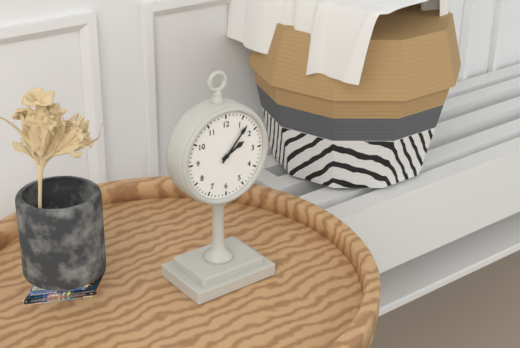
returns 2,07
